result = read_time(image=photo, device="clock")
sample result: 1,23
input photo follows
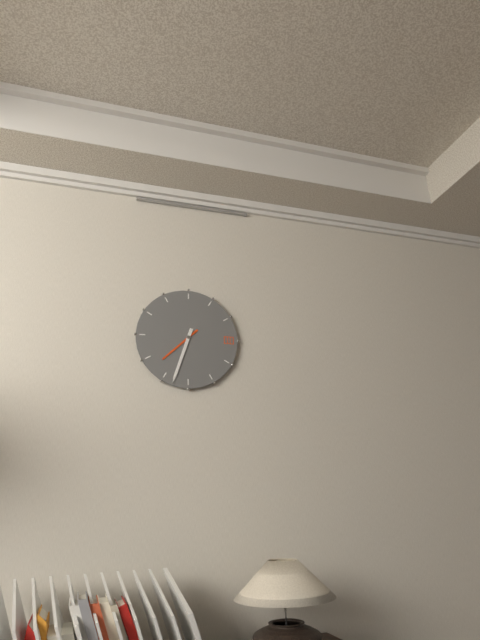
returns 7,33
